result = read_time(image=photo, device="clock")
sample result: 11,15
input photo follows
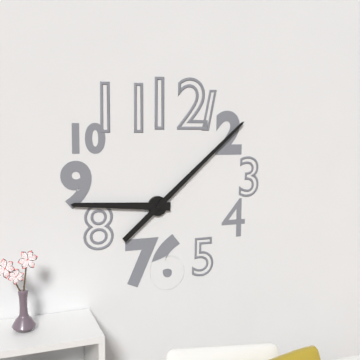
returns 9,08
